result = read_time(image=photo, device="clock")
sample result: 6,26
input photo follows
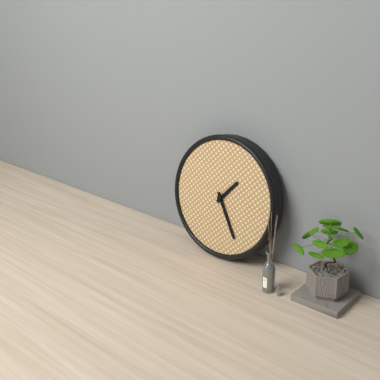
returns 1,25
